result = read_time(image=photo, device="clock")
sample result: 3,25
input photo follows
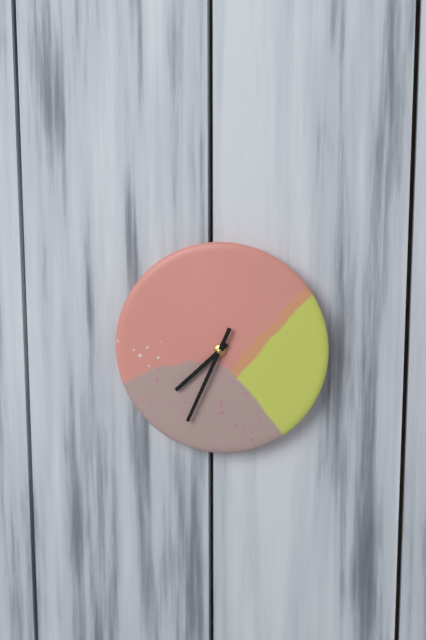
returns 7,34
